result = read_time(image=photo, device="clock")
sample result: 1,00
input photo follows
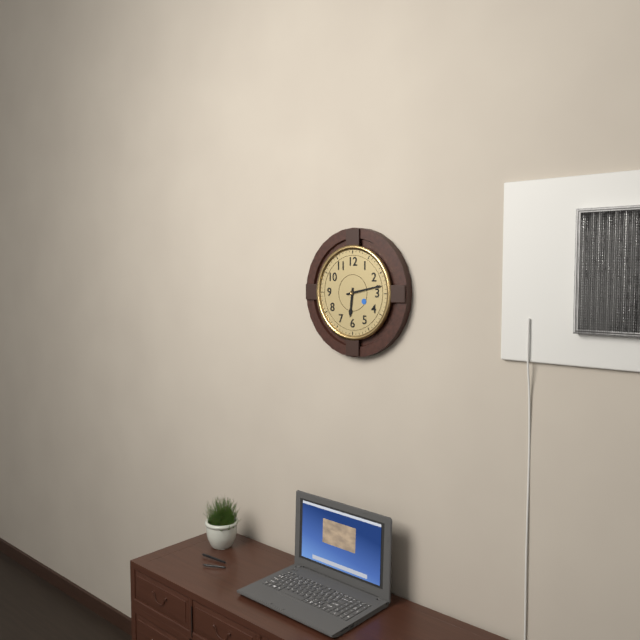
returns 6,13
